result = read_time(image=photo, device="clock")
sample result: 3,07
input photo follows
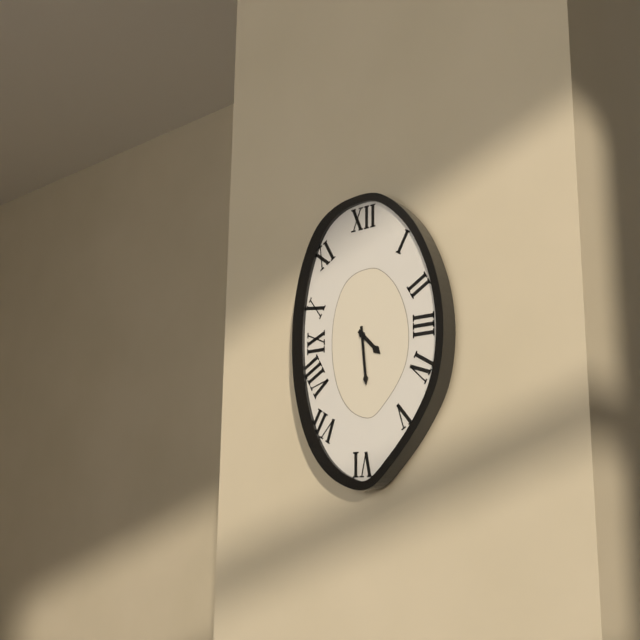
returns 4,29
